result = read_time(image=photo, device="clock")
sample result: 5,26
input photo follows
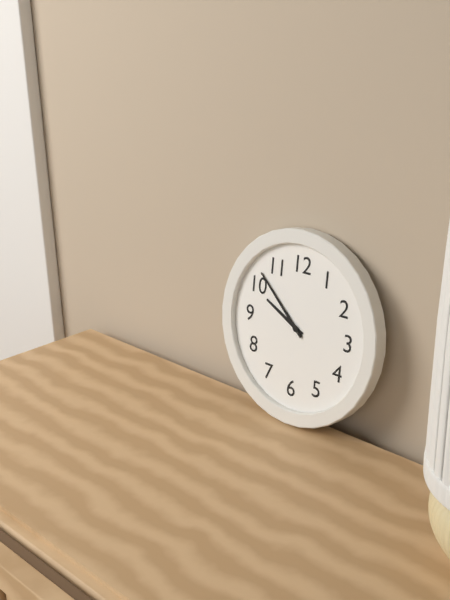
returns 9,52
